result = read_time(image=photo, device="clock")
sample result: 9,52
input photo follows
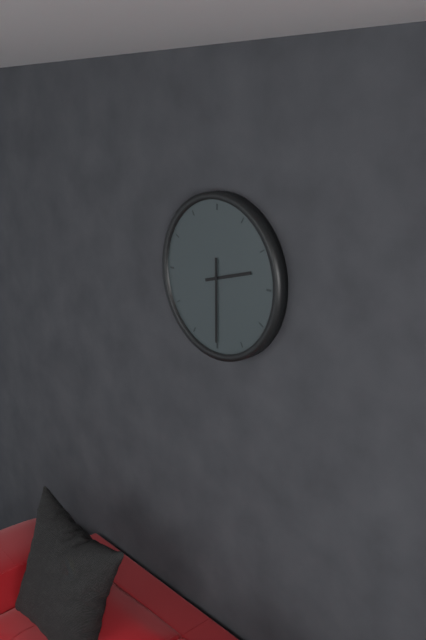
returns 2,30
